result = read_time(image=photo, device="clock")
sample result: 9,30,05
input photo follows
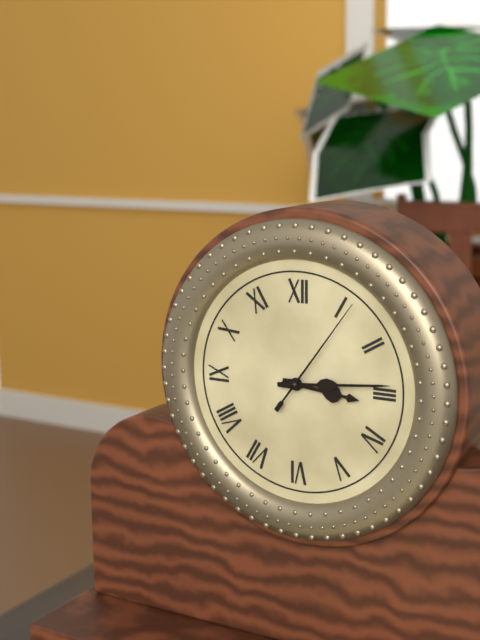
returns 3,14,06
